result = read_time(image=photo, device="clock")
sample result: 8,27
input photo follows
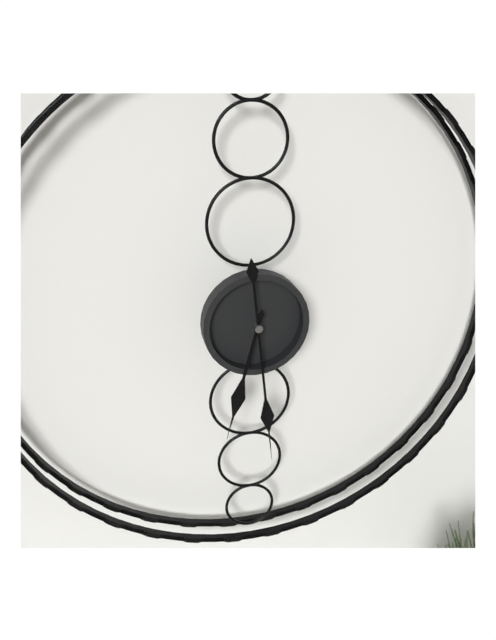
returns 6,29
